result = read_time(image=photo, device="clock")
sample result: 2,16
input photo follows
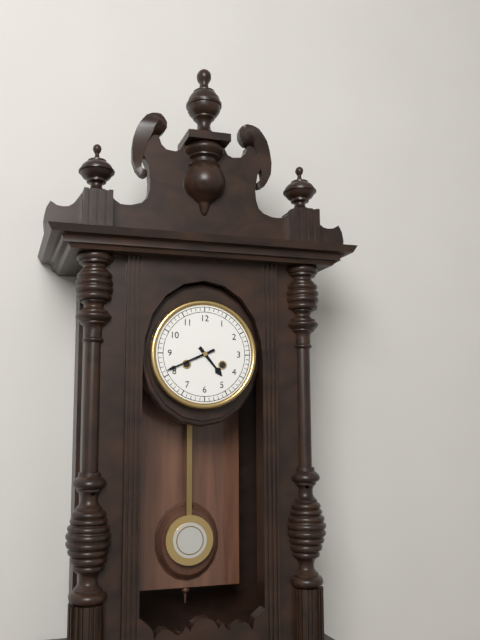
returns 4,41
